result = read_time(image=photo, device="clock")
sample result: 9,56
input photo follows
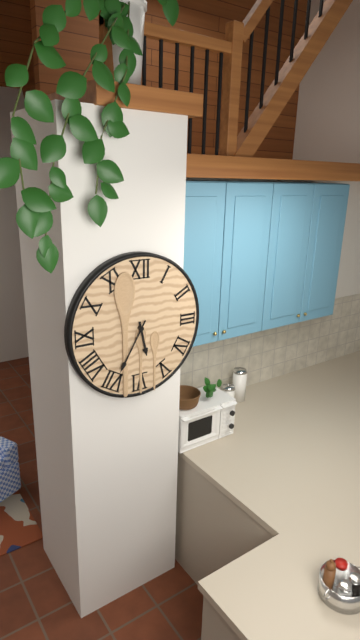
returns 5,35
